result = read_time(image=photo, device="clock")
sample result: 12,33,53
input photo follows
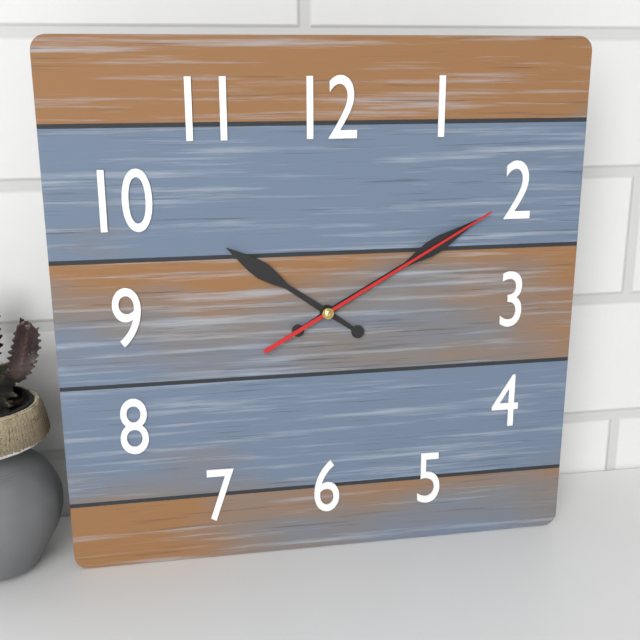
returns 10,10,10
